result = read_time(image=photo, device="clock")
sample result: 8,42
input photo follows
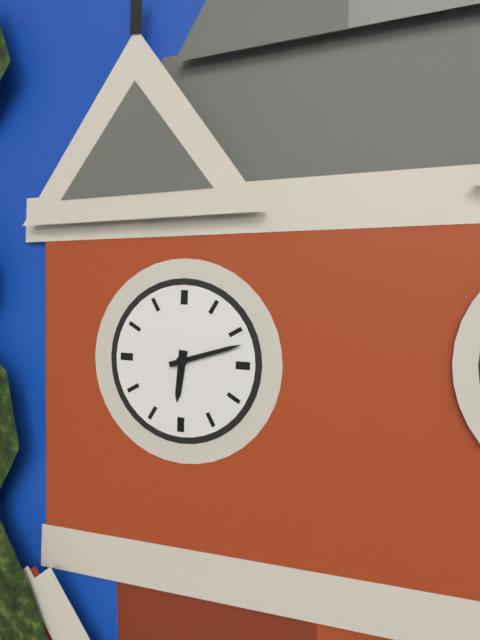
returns 6,12
